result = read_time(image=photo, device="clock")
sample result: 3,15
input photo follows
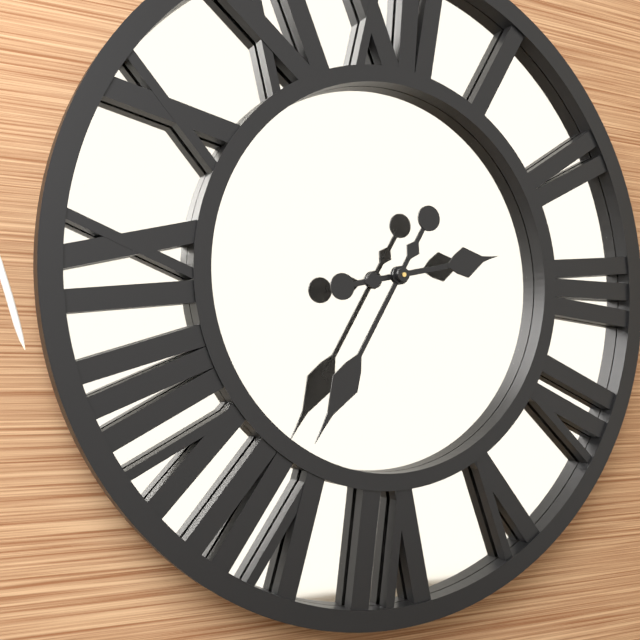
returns 2,35
